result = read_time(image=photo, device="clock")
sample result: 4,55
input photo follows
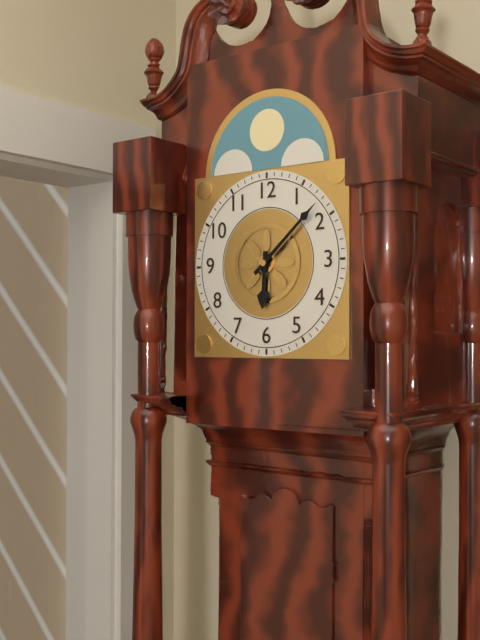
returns 6,08
